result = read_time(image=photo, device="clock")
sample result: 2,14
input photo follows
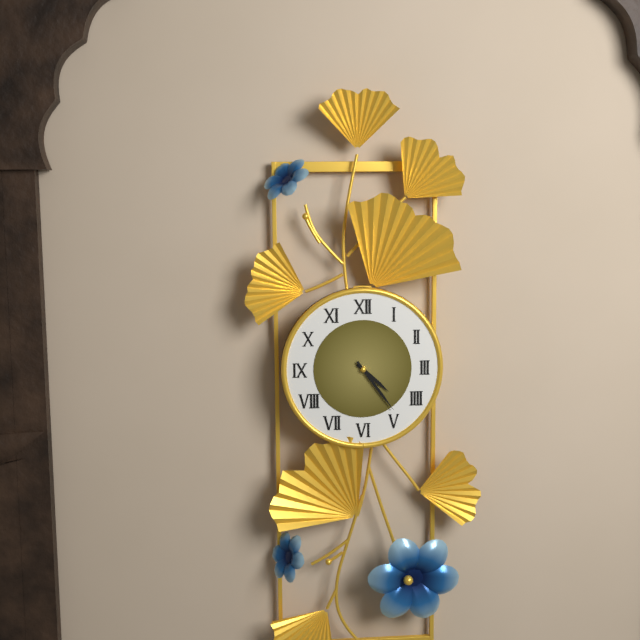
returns 4,24
